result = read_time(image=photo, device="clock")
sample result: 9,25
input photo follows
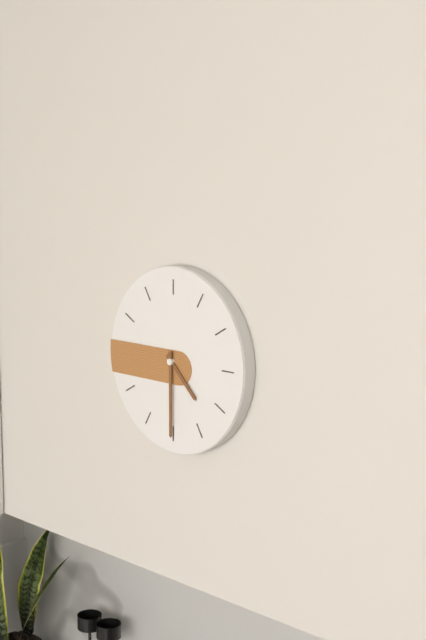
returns 4,30
